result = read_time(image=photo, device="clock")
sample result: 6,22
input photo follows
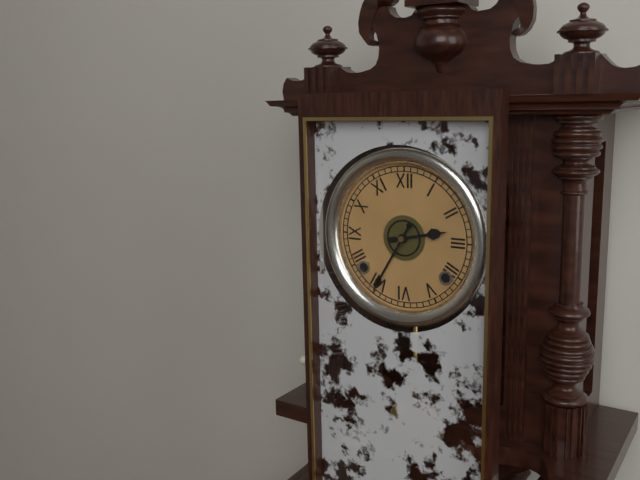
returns 2,35
